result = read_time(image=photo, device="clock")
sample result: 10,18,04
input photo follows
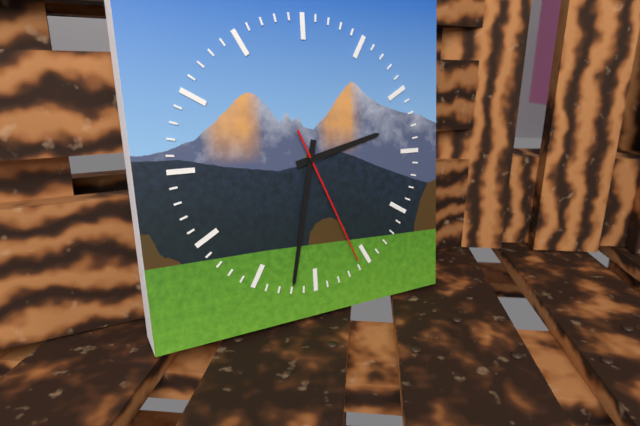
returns 2,32,26
